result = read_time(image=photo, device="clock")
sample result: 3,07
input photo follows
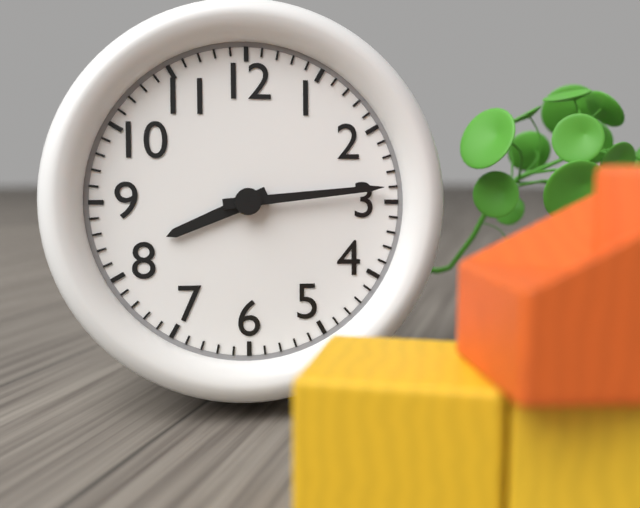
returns 8,14
